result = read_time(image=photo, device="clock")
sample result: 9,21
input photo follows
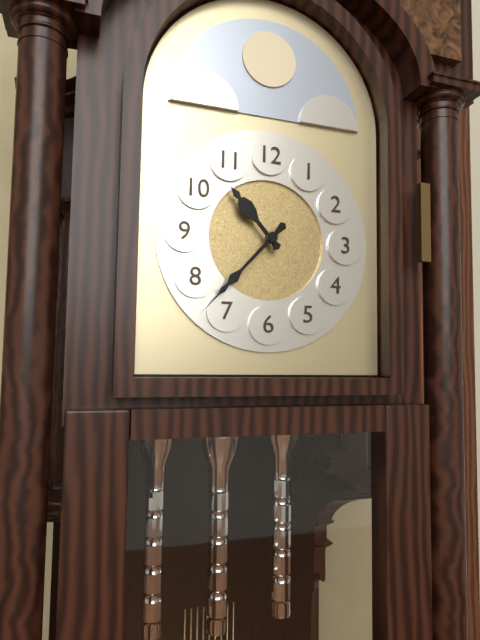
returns 10,37
